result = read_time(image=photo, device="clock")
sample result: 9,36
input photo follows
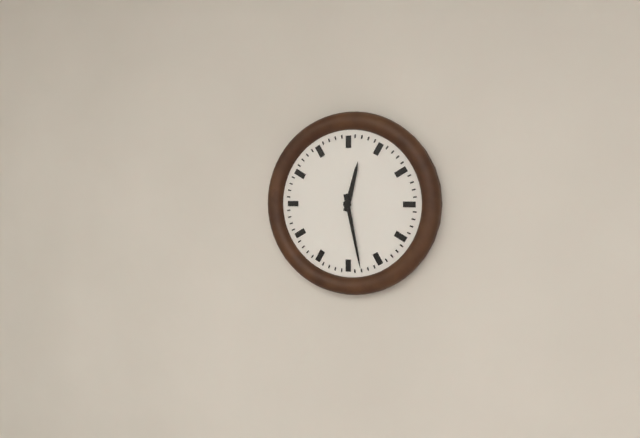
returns 12,28
